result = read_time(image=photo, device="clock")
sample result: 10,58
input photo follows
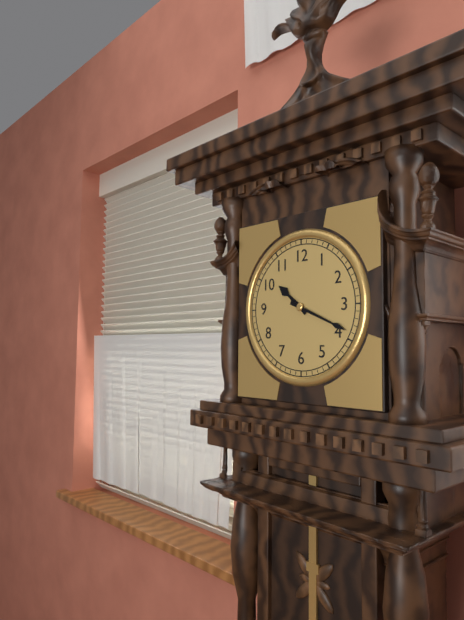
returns 10,19
